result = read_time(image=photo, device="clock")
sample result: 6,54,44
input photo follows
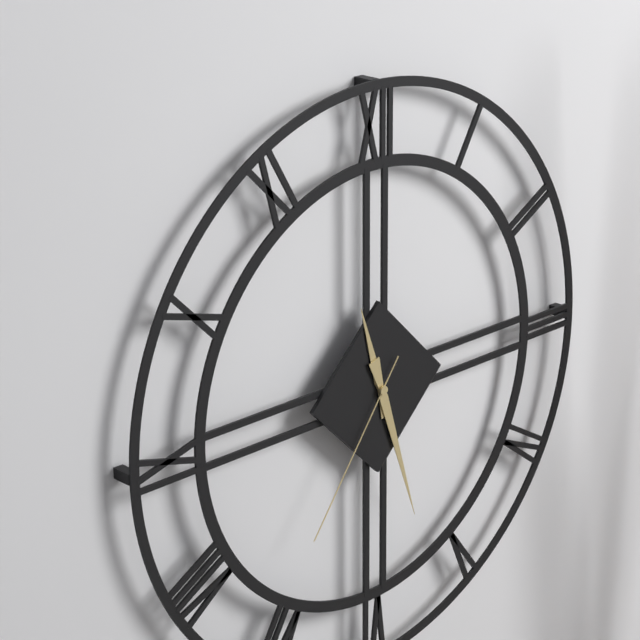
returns 11,27,36
